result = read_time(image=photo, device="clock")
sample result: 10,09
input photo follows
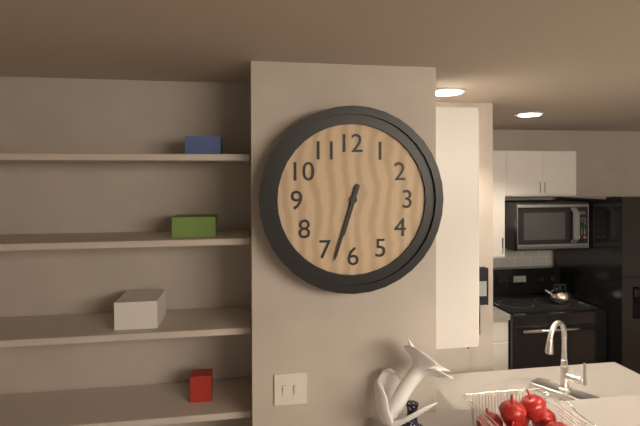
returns 6,33
